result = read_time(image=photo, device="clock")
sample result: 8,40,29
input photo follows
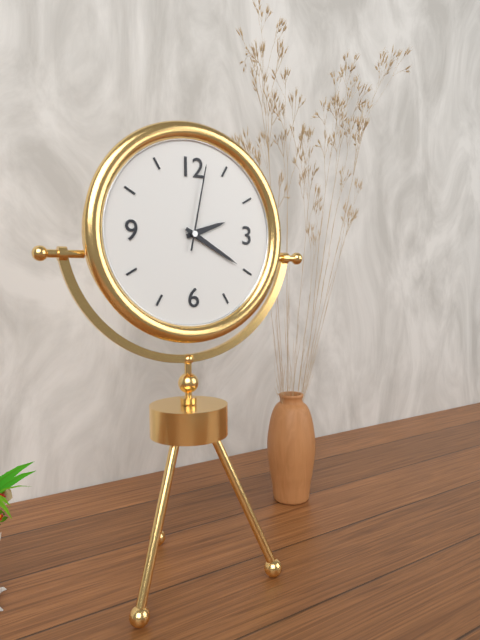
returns 2,20,02
